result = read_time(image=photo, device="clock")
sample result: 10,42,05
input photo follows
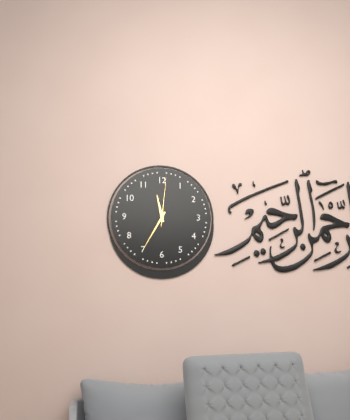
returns 11,35,01
